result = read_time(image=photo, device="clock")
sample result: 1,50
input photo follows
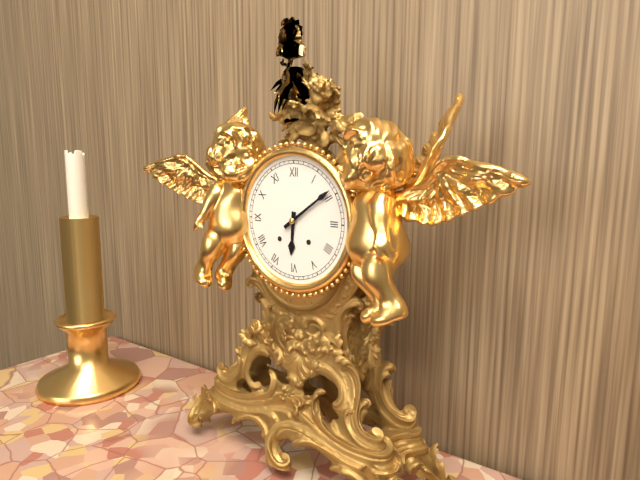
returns 6,09
